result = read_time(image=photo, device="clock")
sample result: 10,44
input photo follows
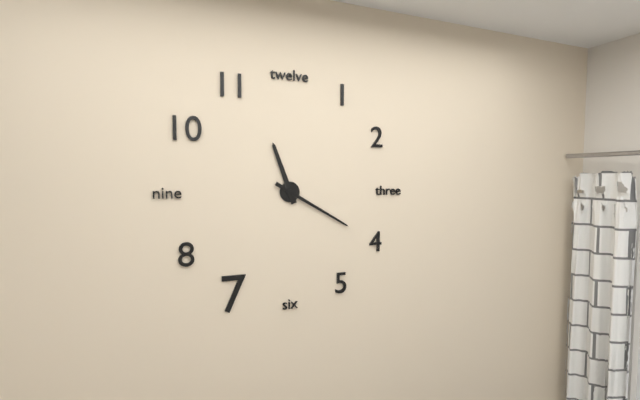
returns 11,20
